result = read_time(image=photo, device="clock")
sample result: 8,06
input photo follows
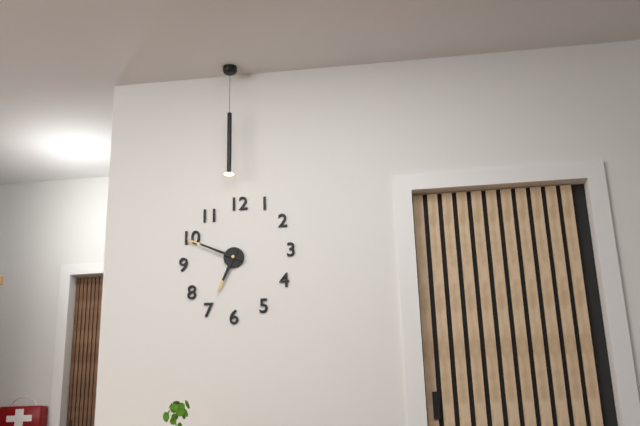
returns 6,49
